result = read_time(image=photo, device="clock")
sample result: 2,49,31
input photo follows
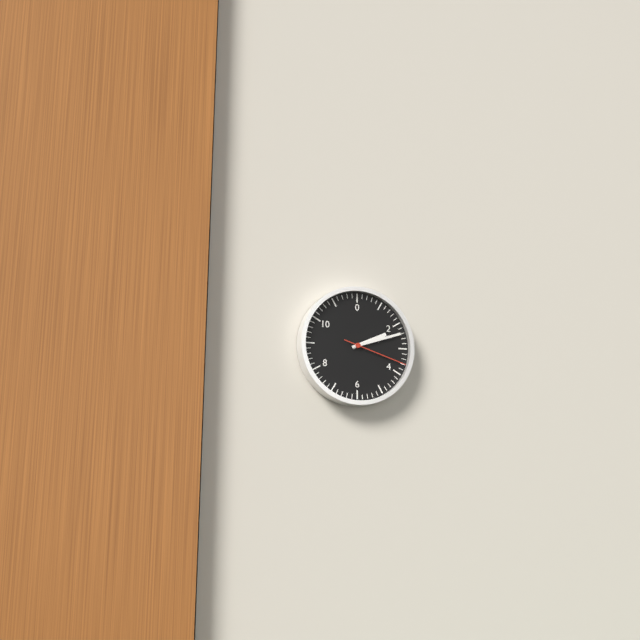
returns 2,12,18
